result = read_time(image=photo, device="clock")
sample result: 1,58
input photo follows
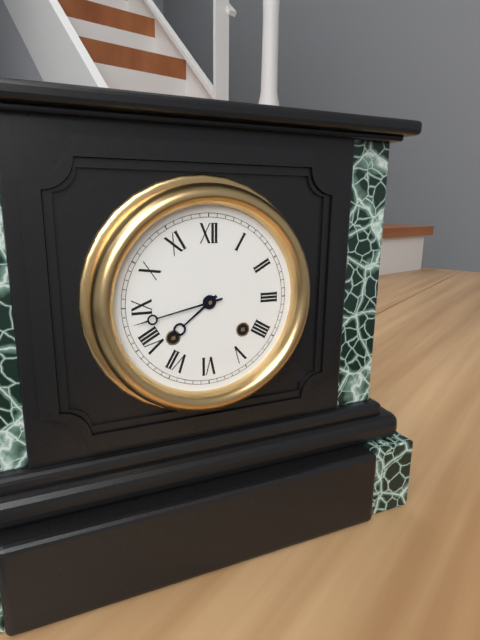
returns 7,43
